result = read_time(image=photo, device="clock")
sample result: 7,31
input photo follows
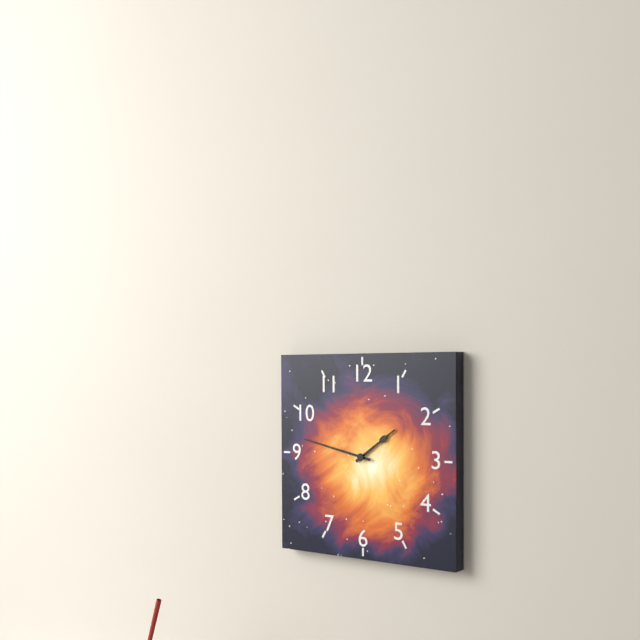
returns 1,47
